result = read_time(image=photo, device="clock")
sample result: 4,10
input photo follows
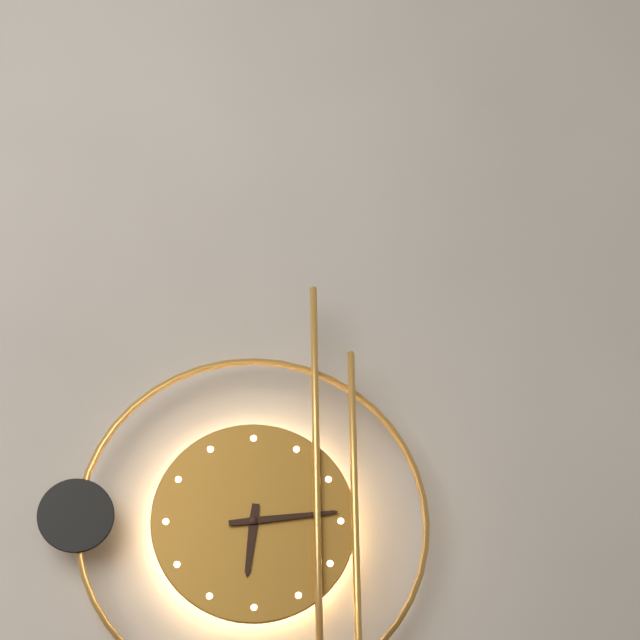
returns 6,14
